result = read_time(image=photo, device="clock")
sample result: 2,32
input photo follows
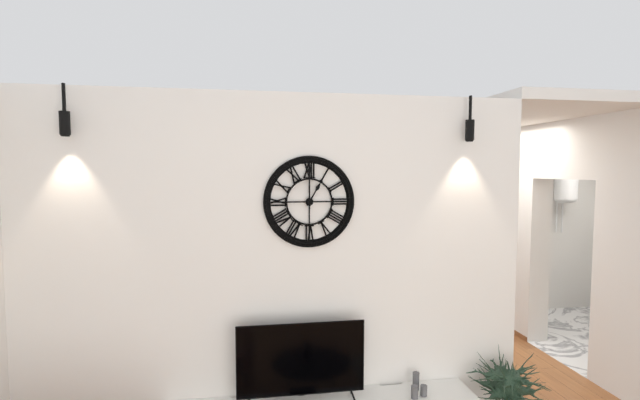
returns 1,00
